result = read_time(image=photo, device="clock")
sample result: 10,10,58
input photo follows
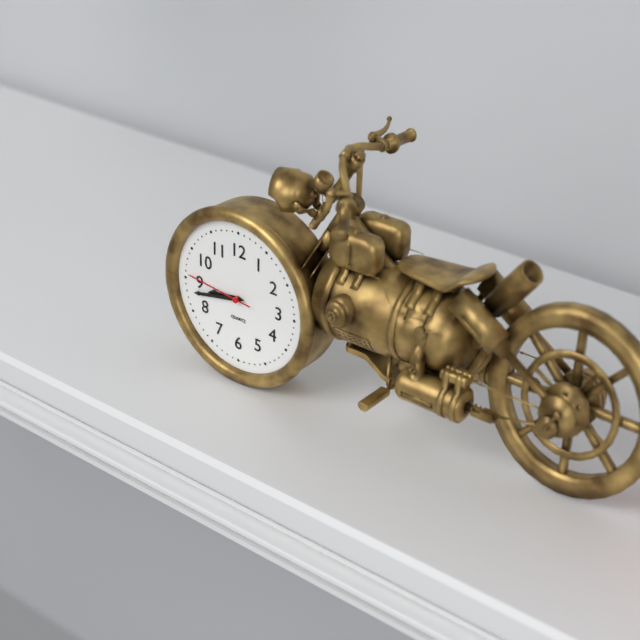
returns 8,43,46
